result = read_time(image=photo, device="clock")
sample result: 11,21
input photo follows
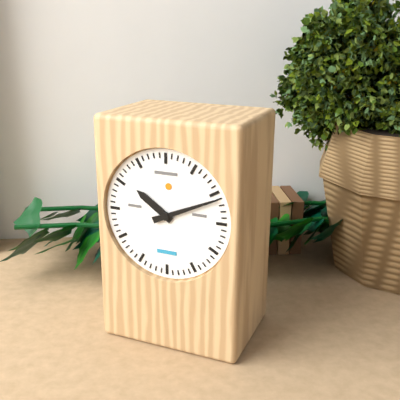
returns 10,11
